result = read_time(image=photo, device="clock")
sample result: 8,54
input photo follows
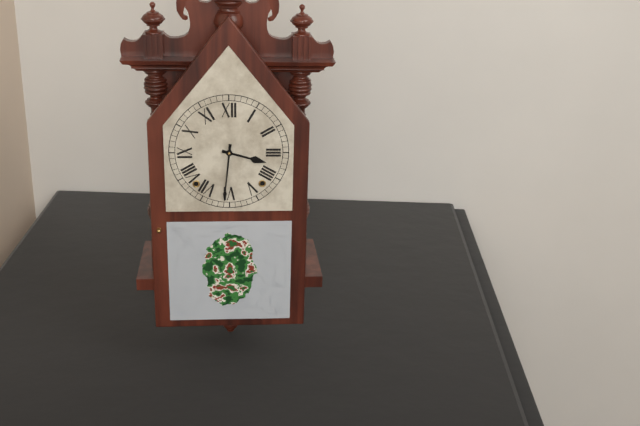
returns 3,31
